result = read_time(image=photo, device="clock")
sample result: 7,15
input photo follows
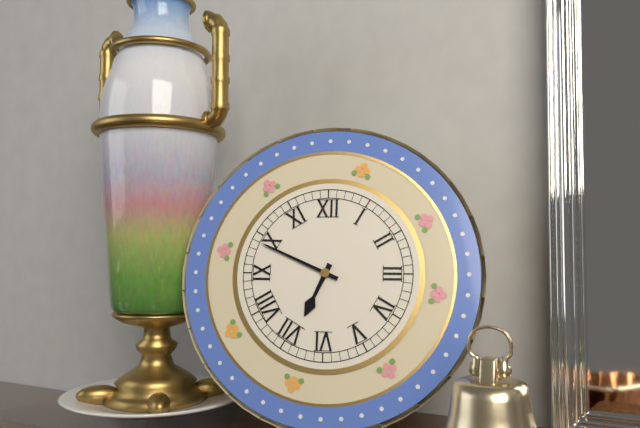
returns 6,49
